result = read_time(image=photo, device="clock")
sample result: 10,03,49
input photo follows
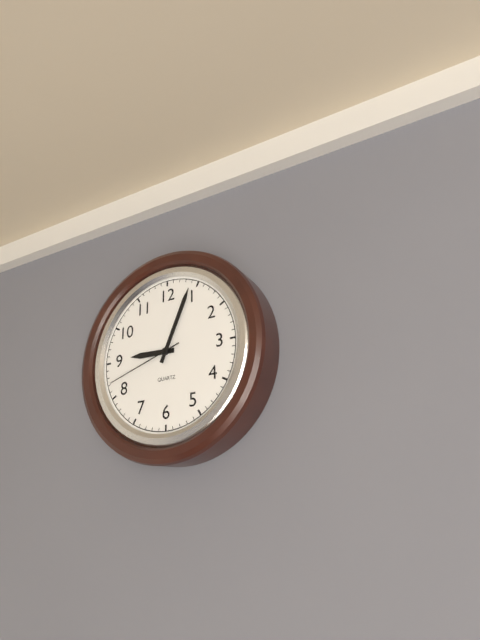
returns 9,04,42
